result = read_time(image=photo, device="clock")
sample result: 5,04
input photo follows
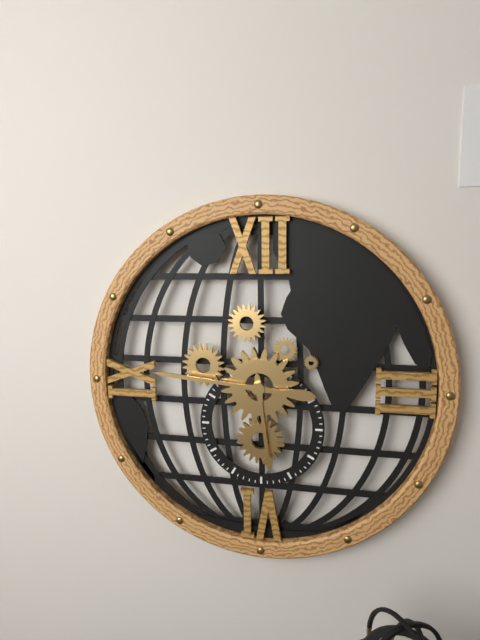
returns 5,46
